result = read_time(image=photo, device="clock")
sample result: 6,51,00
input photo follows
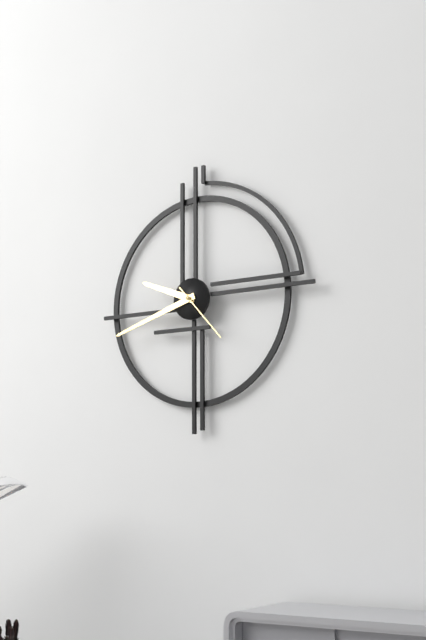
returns 9,42,23
